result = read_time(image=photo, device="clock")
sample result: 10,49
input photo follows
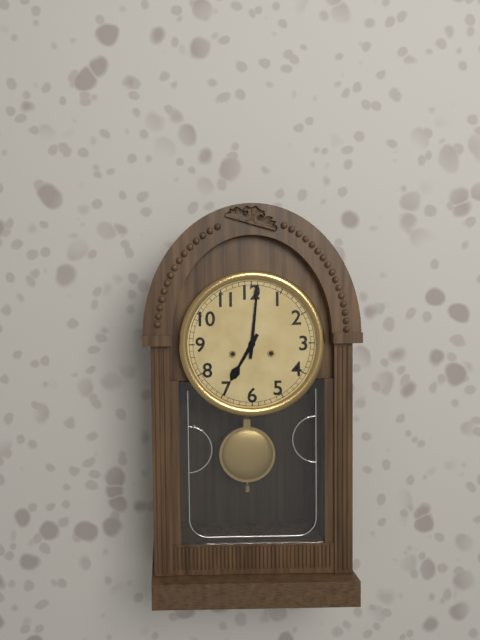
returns 7,01
